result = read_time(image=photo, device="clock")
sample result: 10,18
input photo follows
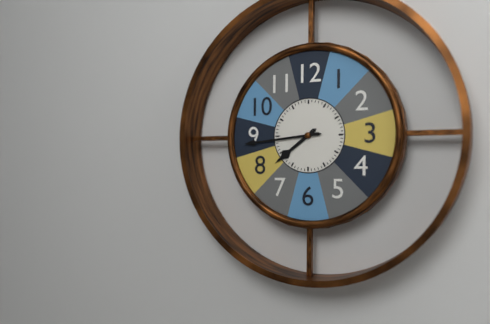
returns 7,44
